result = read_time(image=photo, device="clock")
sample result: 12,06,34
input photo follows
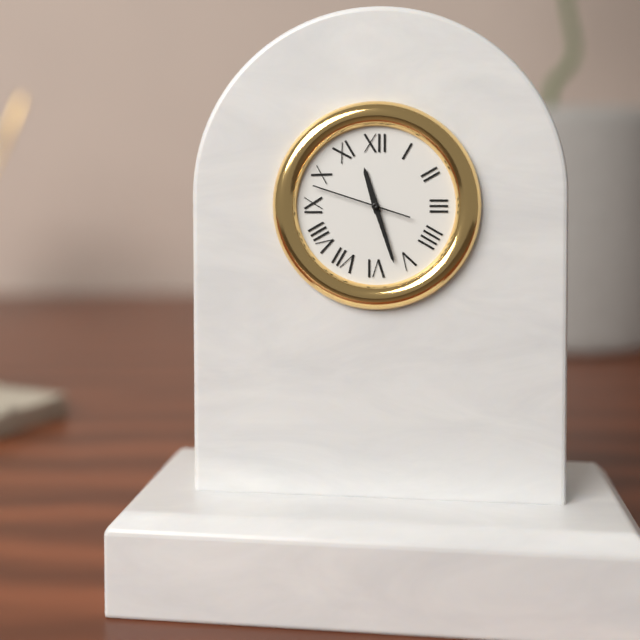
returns 11,27,48
